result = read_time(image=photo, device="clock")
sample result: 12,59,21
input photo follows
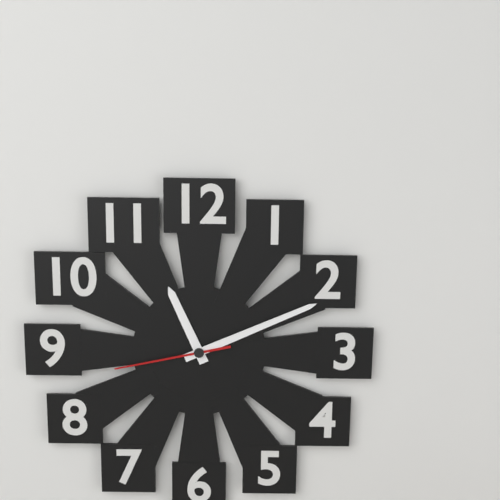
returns 11,11,43
